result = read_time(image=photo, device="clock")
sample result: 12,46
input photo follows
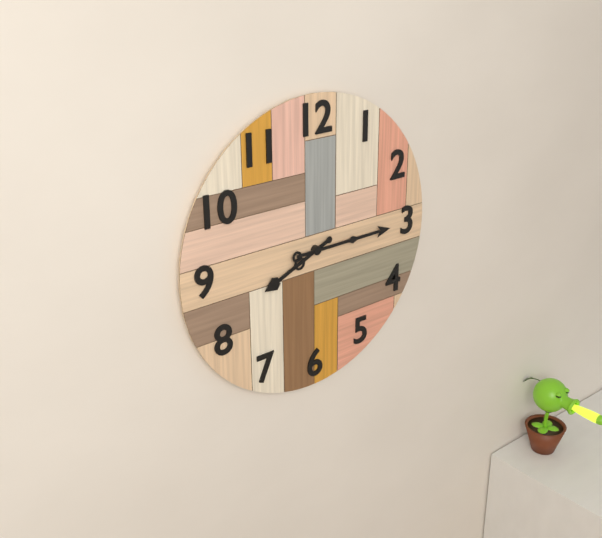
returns 8,15
